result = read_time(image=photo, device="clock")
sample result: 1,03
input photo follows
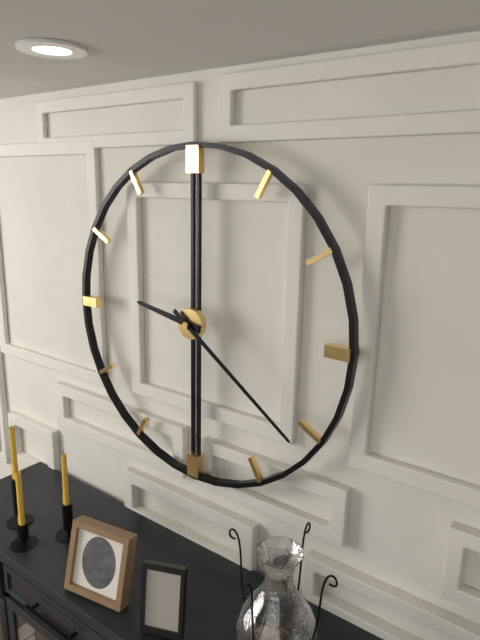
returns 9,21
